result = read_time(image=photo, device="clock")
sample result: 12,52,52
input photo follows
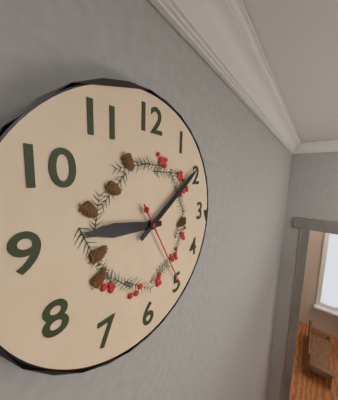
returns 9,09,25
